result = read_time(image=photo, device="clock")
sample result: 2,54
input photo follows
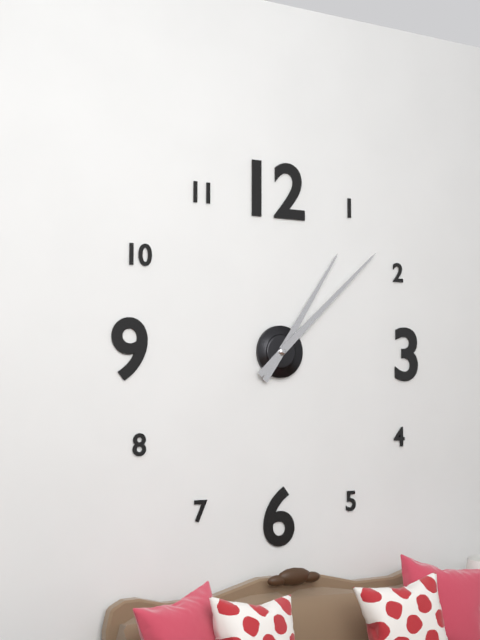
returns 1,08
